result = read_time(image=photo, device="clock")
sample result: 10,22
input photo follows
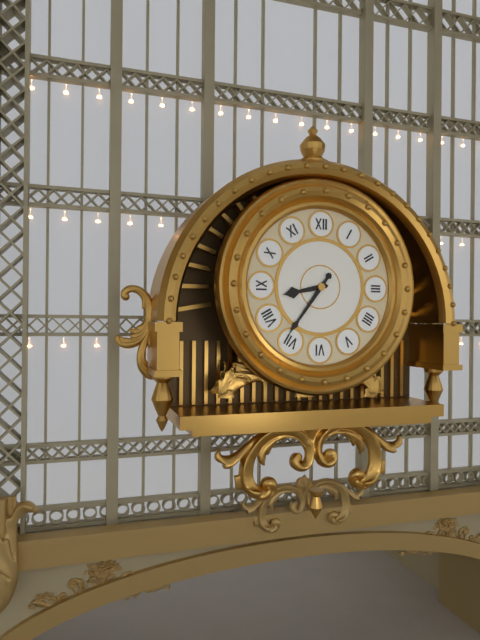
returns 8,36
